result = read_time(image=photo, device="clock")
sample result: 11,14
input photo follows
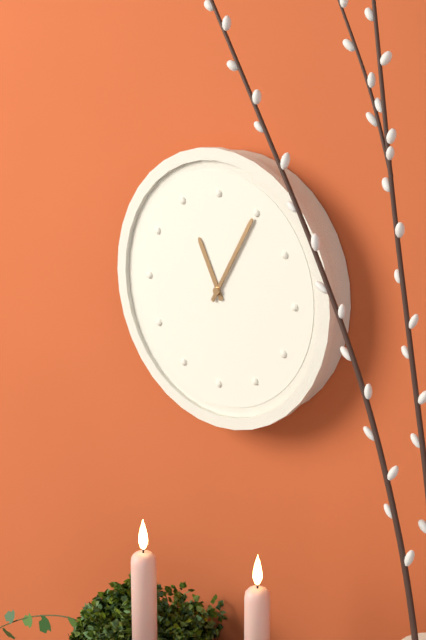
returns 11,05
